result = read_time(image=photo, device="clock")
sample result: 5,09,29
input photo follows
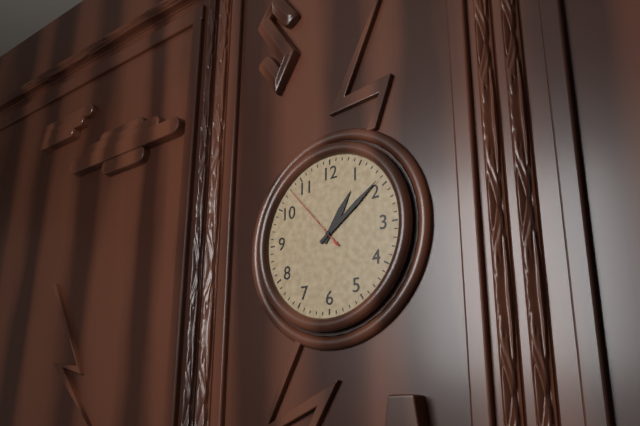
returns 1,09,53
